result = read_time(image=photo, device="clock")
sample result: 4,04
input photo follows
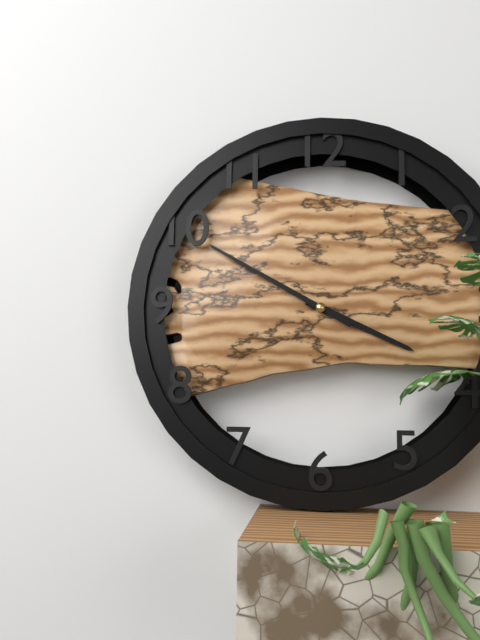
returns 3,50
